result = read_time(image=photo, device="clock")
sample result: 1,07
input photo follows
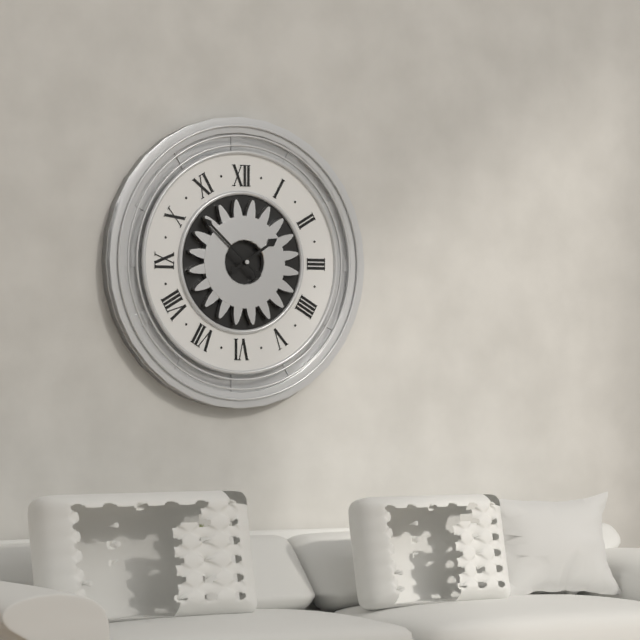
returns 1,52
